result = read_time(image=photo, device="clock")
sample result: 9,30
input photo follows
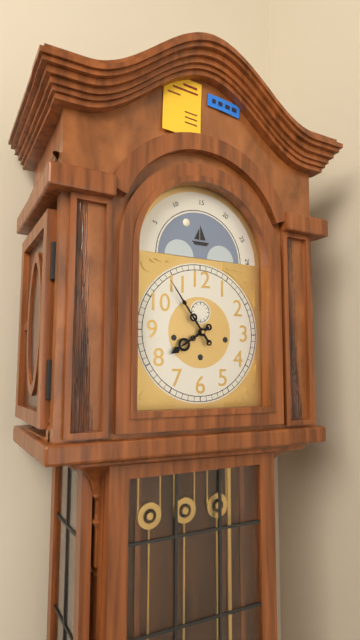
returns 7,54
